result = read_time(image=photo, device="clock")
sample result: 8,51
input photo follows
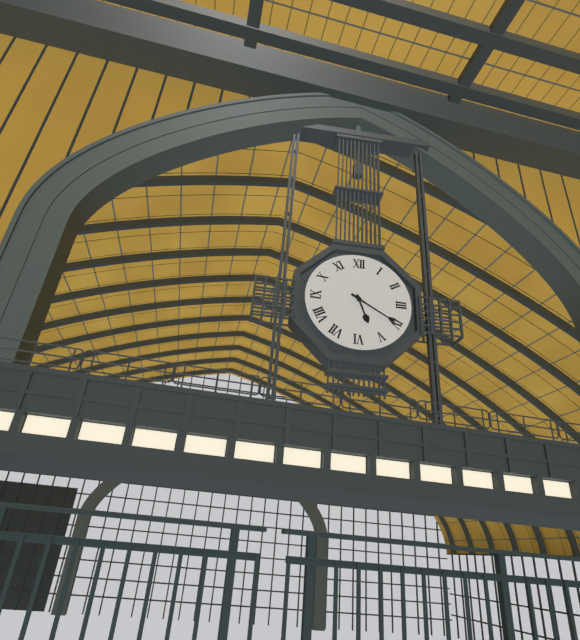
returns 5,20
